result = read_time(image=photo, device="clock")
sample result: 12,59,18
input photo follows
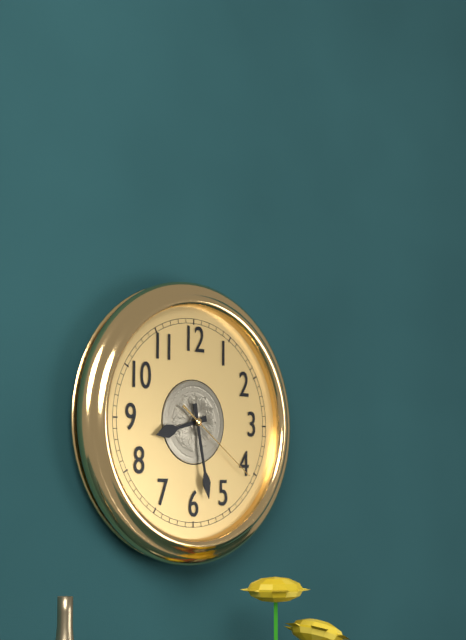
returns 8,28,21
